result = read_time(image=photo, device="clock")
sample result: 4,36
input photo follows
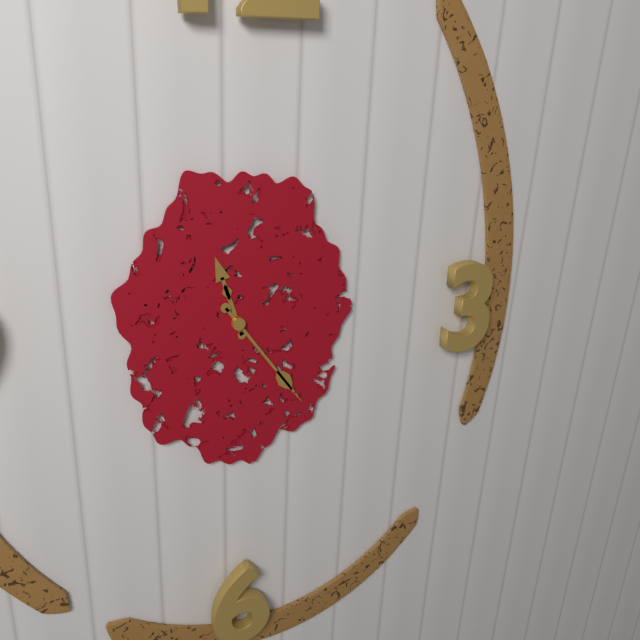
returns 11,24
